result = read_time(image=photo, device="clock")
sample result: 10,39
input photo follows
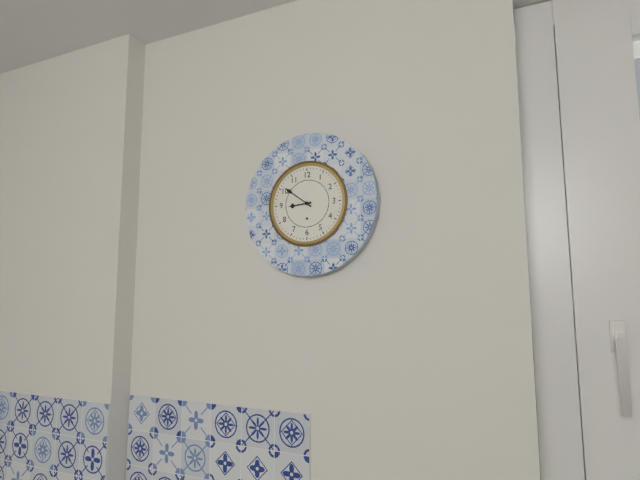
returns 8,51
